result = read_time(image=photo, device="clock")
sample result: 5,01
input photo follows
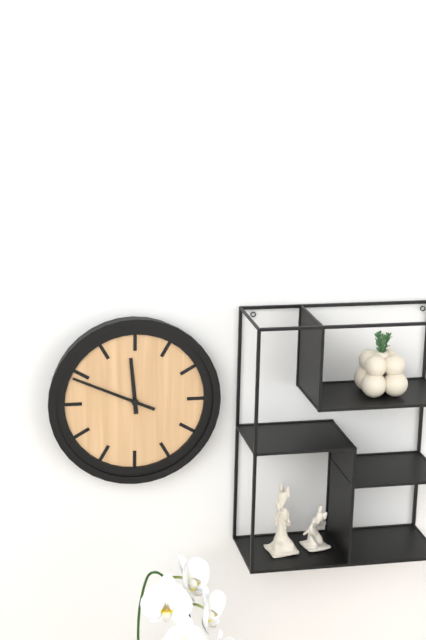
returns 11,49
